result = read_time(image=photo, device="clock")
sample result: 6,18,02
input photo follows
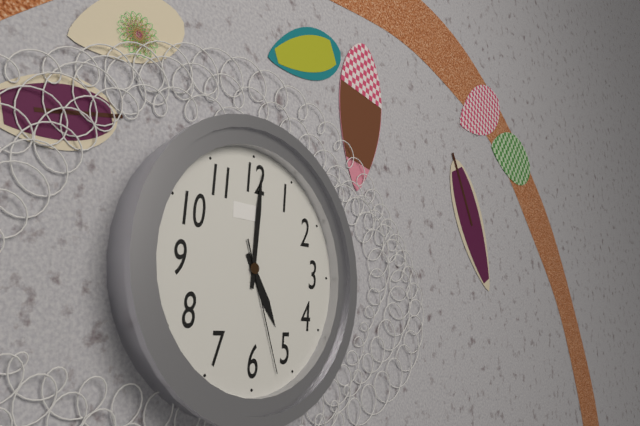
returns 5,01,27
